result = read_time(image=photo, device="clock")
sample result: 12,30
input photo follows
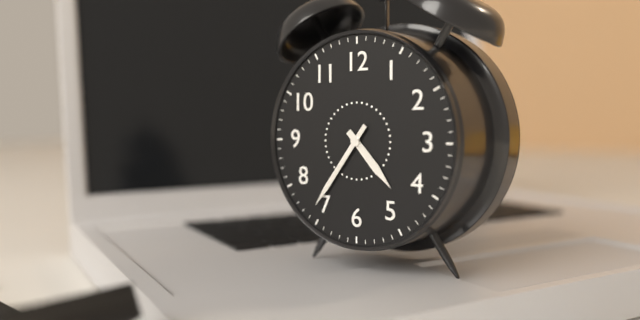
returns 4,36
